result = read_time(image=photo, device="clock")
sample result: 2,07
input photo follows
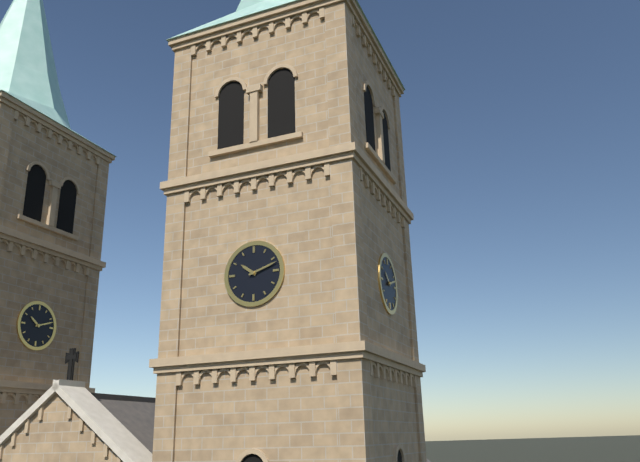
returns 10,12
